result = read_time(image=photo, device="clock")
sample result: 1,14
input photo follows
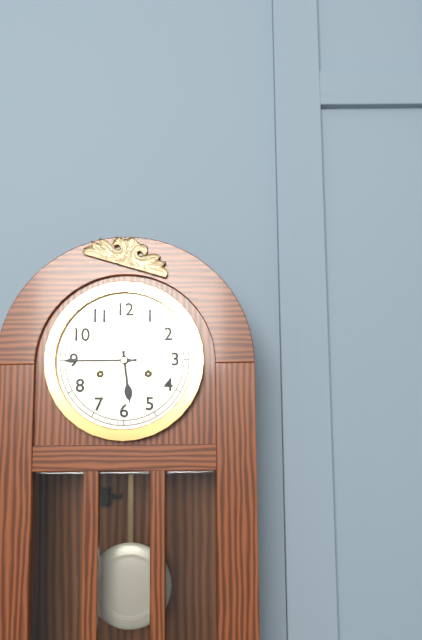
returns 5,45
